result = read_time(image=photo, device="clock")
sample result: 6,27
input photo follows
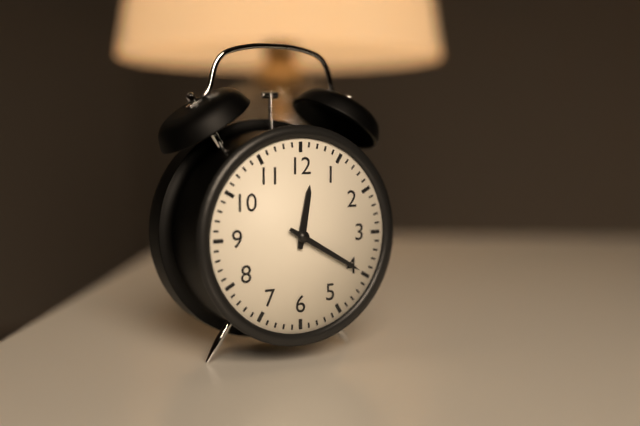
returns 12,20
